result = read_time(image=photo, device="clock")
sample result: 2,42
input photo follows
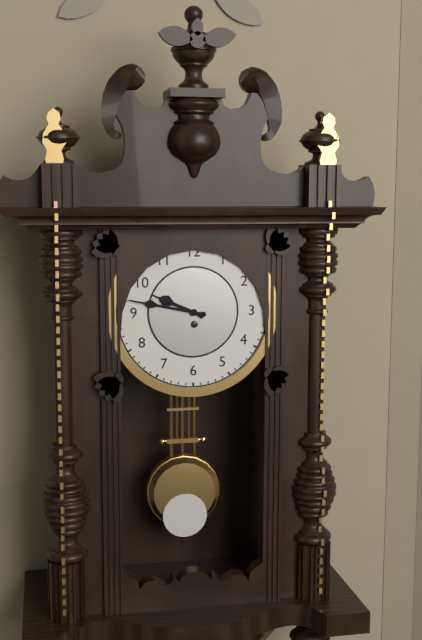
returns 9,47
